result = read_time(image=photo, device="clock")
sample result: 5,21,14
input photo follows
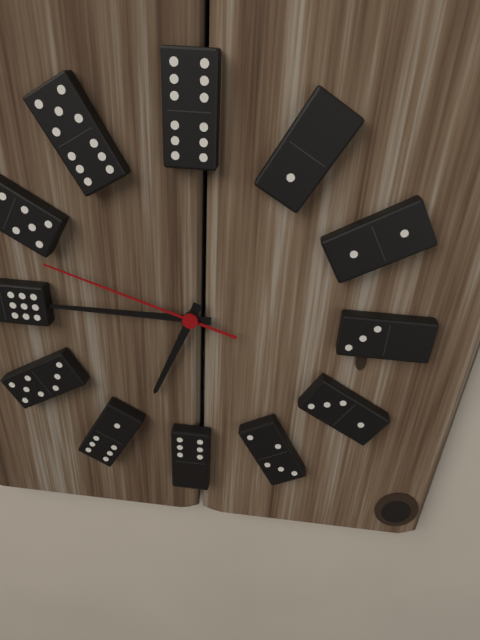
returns 6,45,48
